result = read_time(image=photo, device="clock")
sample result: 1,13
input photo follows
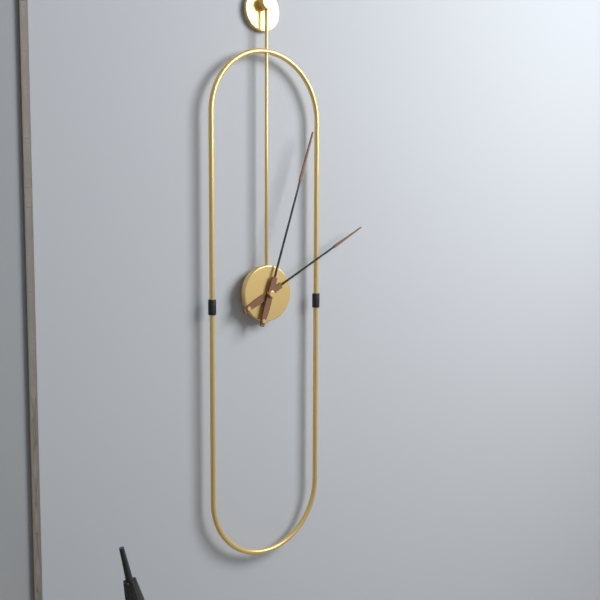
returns 2,03
